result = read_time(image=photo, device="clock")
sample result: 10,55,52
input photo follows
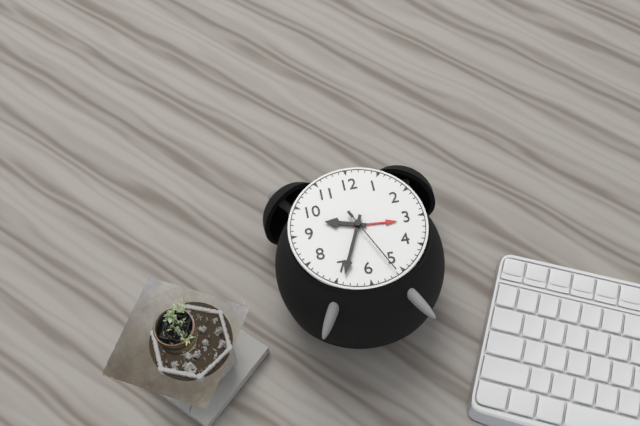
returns 9,34,26
